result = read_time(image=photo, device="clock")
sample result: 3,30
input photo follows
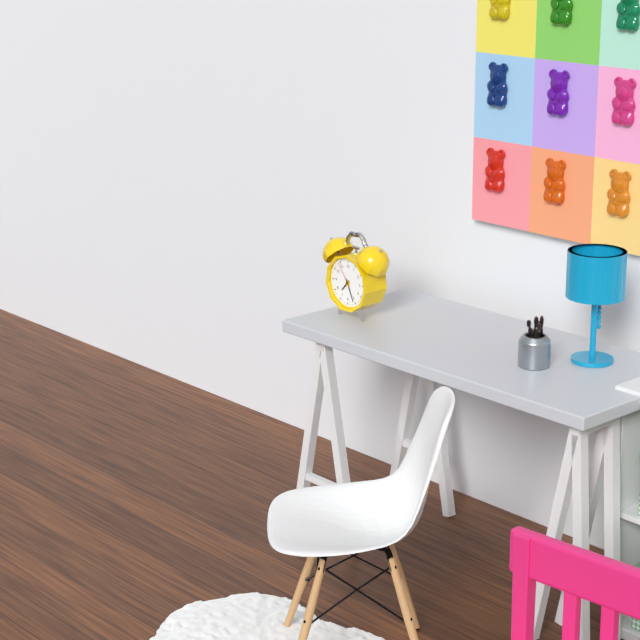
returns 7,26
